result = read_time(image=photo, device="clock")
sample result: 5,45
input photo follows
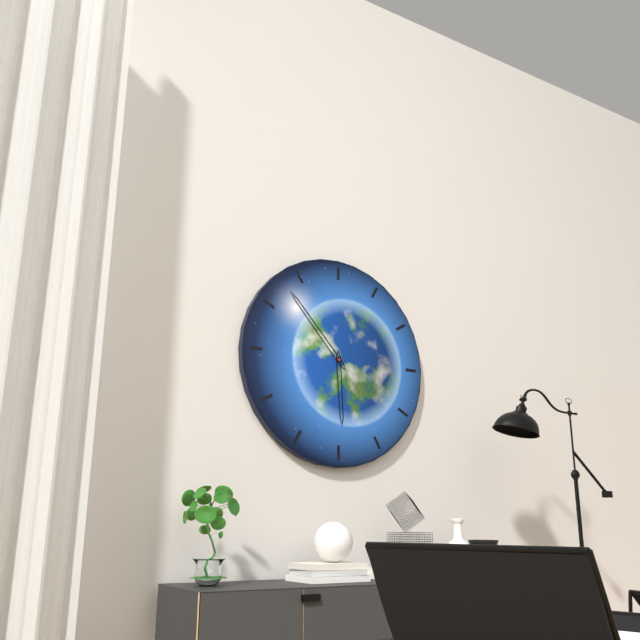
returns 5,53
